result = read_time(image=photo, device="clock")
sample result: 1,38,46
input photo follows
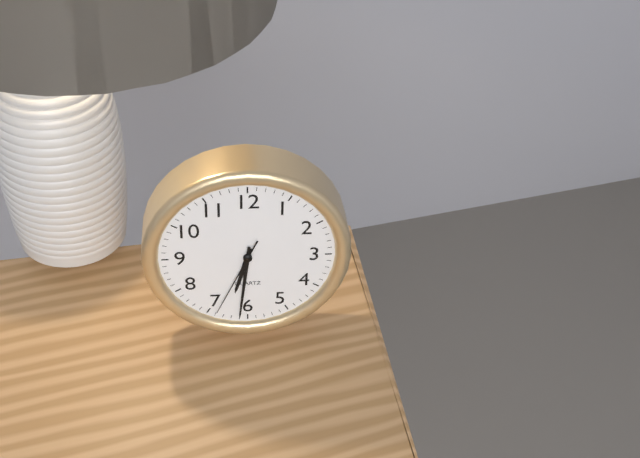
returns 6,31,34
